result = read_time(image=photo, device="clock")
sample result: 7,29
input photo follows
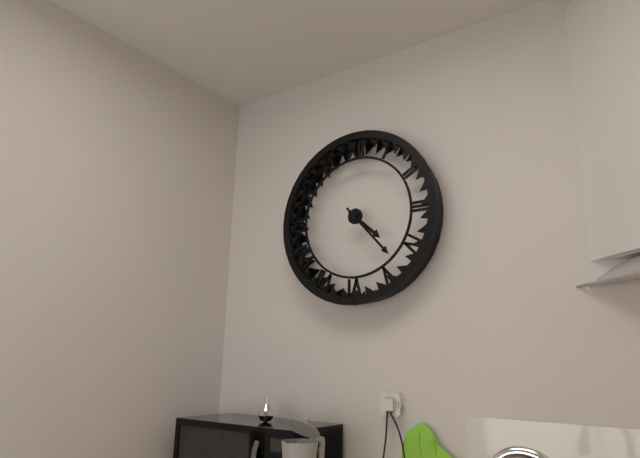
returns 4,23
